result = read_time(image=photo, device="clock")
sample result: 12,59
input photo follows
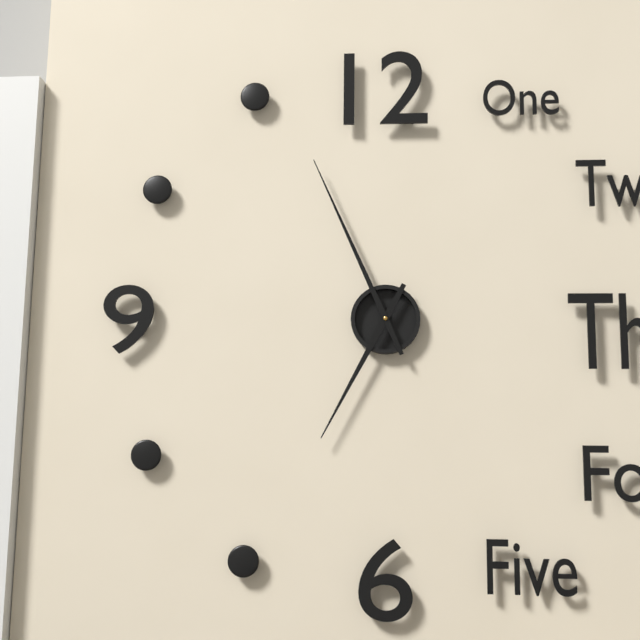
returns 6,56
